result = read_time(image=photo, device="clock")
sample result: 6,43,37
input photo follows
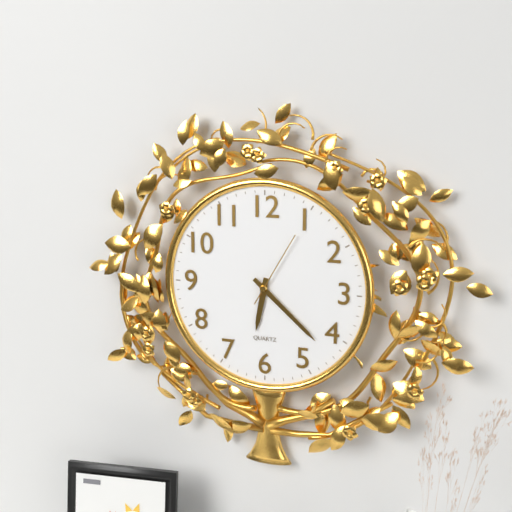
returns 6,22,05
